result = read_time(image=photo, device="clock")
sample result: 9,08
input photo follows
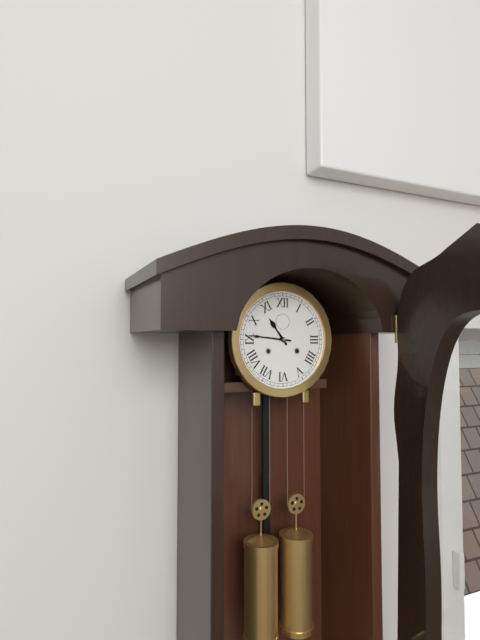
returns 10,46
